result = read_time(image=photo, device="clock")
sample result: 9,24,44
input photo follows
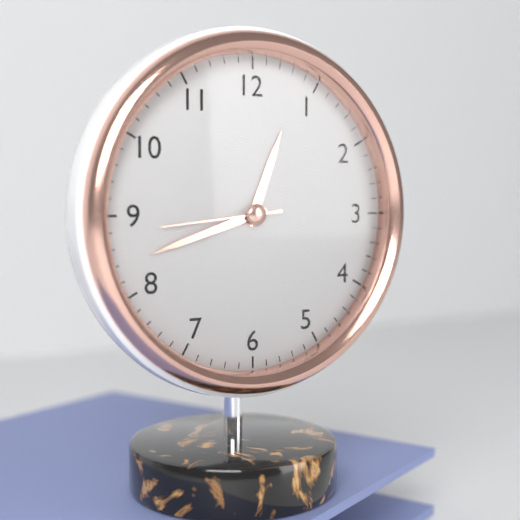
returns 12,42,44
